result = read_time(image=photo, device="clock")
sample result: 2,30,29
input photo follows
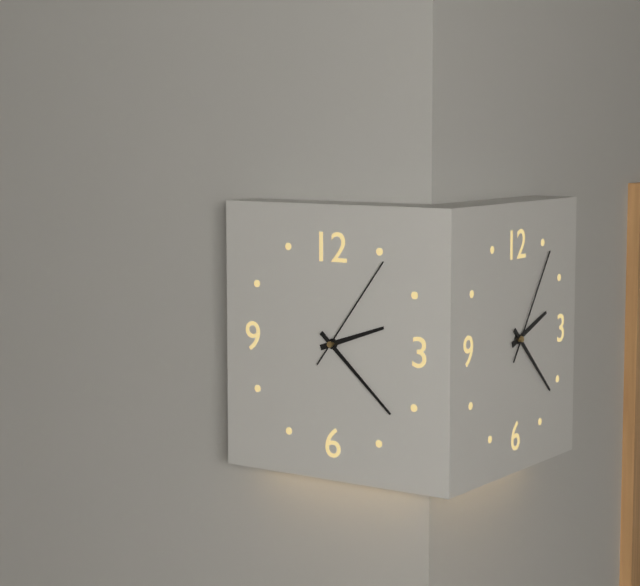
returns 2,22,06
